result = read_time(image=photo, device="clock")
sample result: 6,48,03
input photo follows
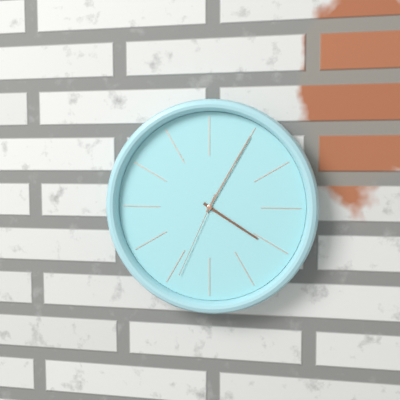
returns 4,05,34
